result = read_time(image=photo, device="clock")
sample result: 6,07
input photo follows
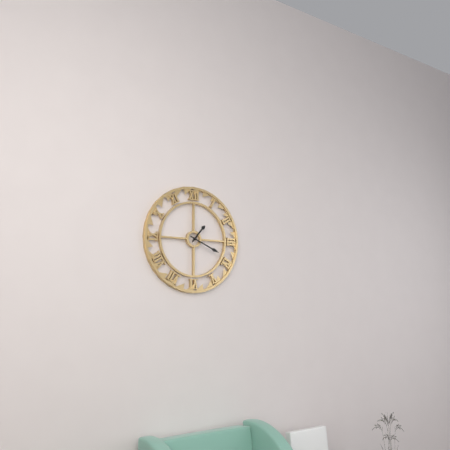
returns 1,19
